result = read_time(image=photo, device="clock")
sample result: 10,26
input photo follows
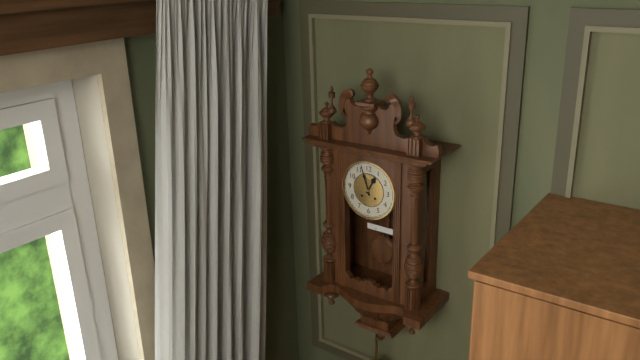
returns 12,57
